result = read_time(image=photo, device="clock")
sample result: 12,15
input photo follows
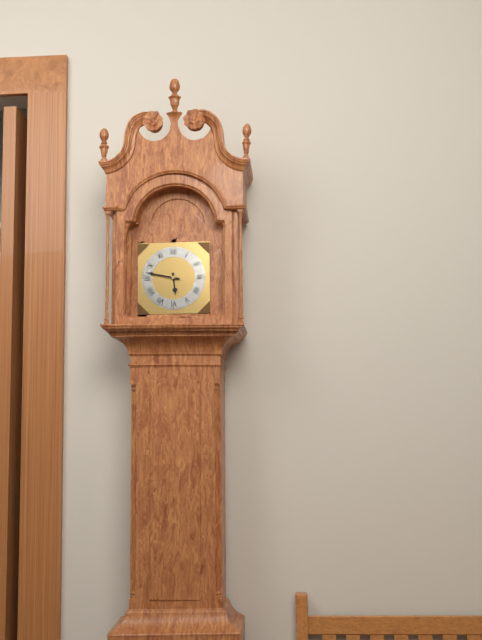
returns 5,47
